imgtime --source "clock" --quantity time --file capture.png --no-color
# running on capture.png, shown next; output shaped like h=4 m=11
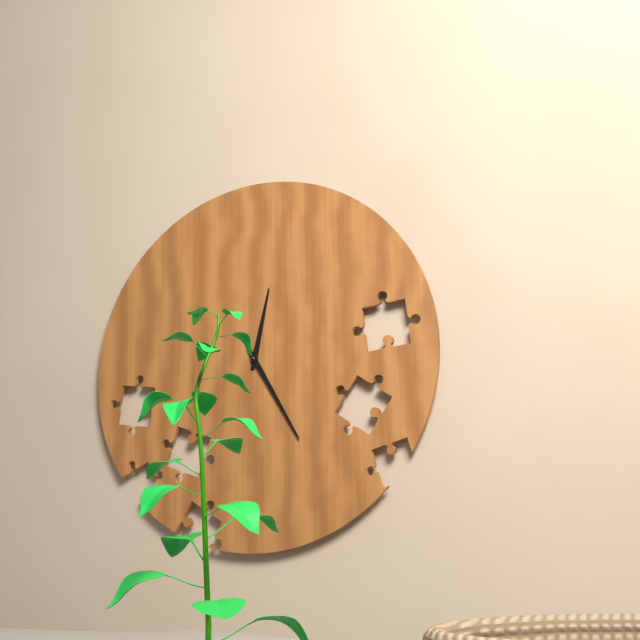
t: h=12 m=25
